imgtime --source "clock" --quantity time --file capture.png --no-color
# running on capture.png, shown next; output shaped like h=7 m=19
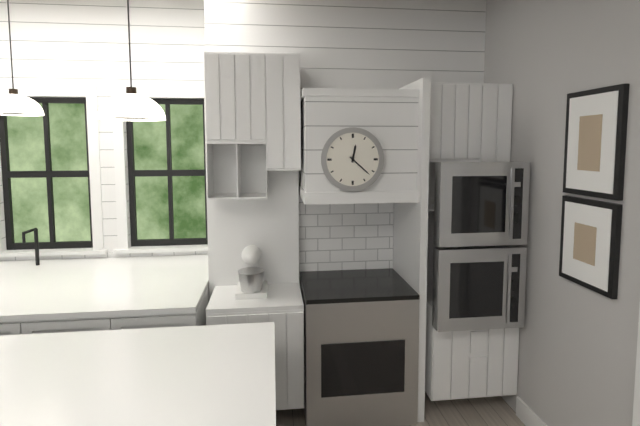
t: h=12 m=22
